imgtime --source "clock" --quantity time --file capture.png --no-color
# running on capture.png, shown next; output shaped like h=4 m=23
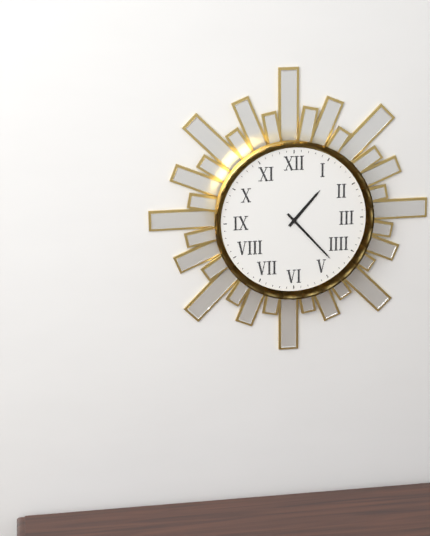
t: h=1 m=23
